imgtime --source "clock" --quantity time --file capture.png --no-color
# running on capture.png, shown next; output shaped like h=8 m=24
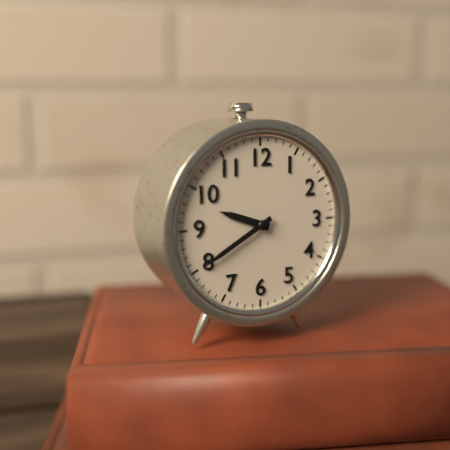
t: h=9 m=40
